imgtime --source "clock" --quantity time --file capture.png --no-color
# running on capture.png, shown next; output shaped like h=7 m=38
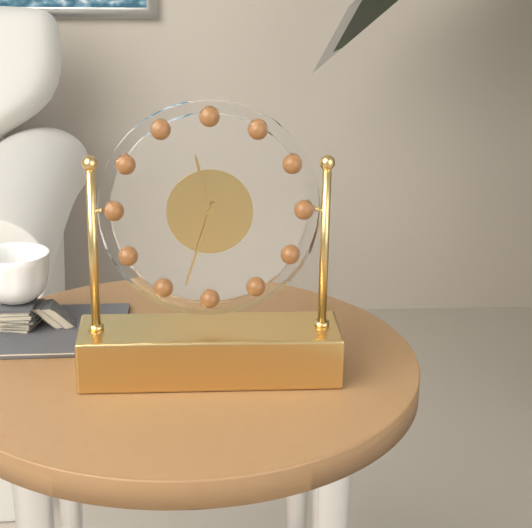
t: h=11 m=33
